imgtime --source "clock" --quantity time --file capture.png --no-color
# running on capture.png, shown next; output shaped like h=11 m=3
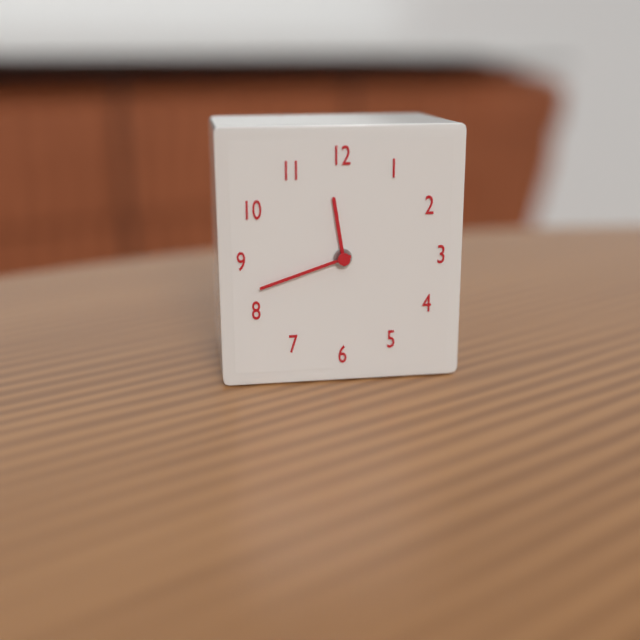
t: h=11 m=42
